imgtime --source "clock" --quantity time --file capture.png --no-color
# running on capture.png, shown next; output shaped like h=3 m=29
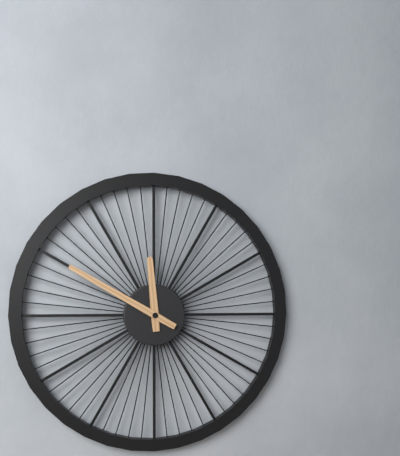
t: h=11 m=50
